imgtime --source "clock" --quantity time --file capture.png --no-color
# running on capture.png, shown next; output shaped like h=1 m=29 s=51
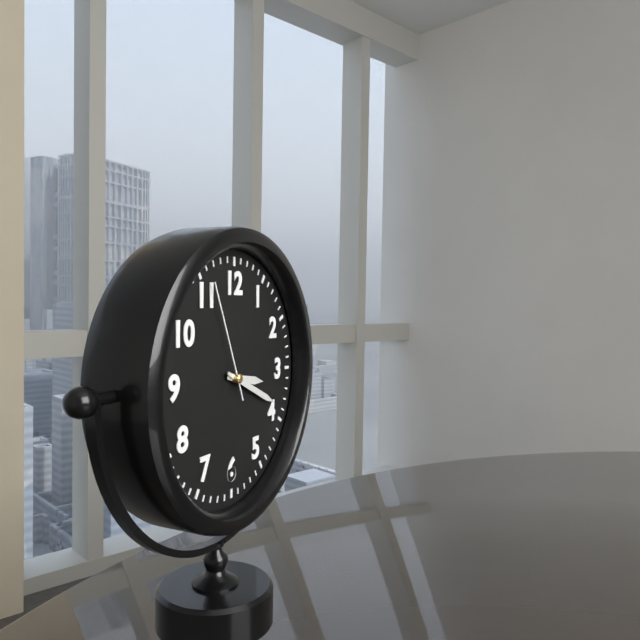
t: h=3 m=19 s=56
